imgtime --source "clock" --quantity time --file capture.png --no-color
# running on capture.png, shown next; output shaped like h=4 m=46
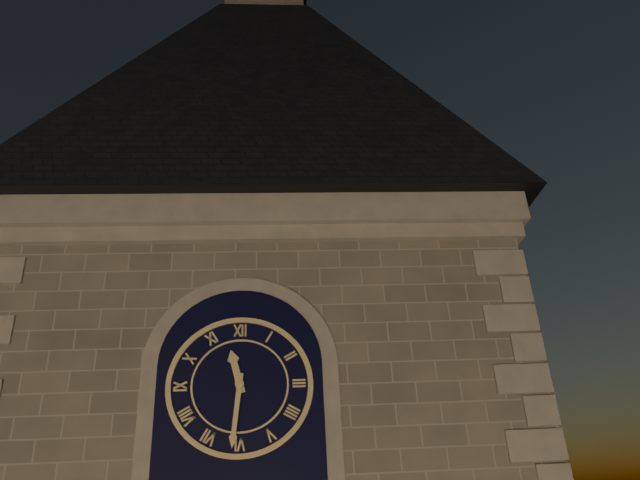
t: h=11 m=31
